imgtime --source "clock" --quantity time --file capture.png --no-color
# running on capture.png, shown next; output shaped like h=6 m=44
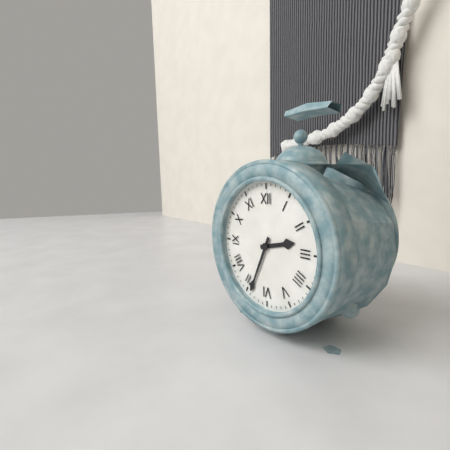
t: h=2 m=34
